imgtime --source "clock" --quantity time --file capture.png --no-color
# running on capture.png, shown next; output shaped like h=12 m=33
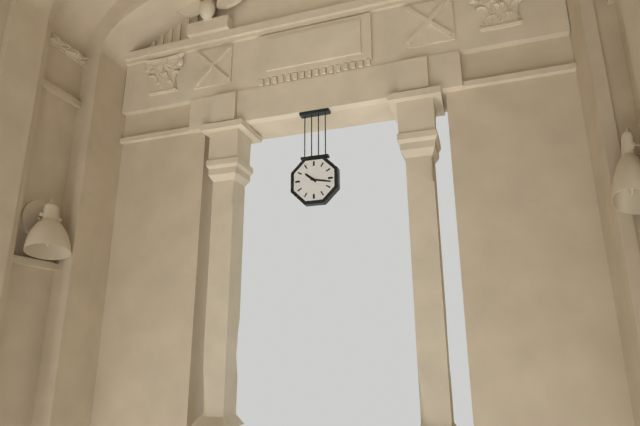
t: h=10 m=17
